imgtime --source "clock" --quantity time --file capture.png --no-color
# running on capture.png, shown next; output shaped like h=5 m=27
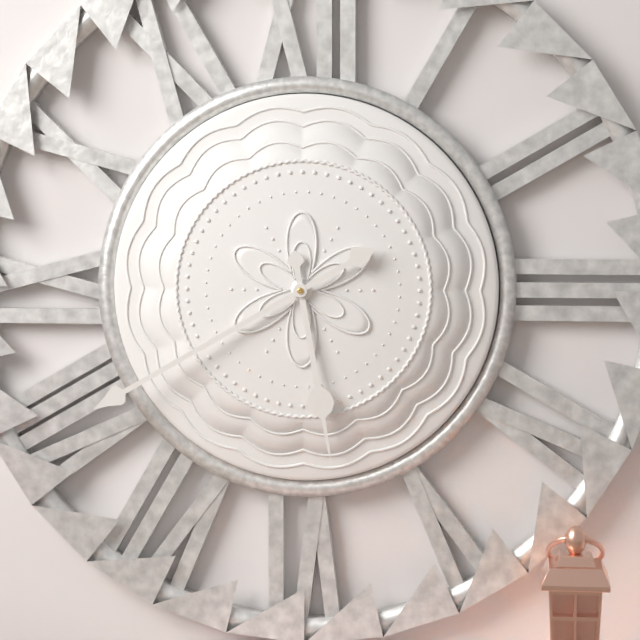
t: h=5 m=40
